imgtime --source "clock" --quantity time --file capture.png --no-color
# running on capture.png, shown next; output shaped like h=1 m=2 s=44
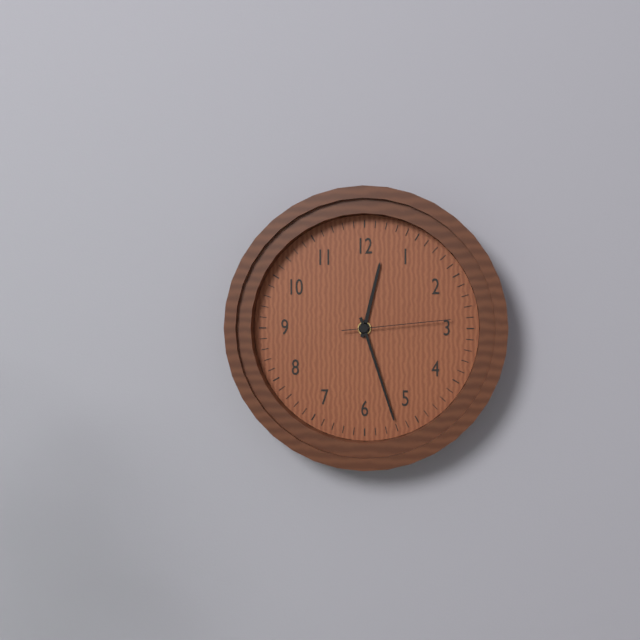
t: h=12 m=27 s=14
